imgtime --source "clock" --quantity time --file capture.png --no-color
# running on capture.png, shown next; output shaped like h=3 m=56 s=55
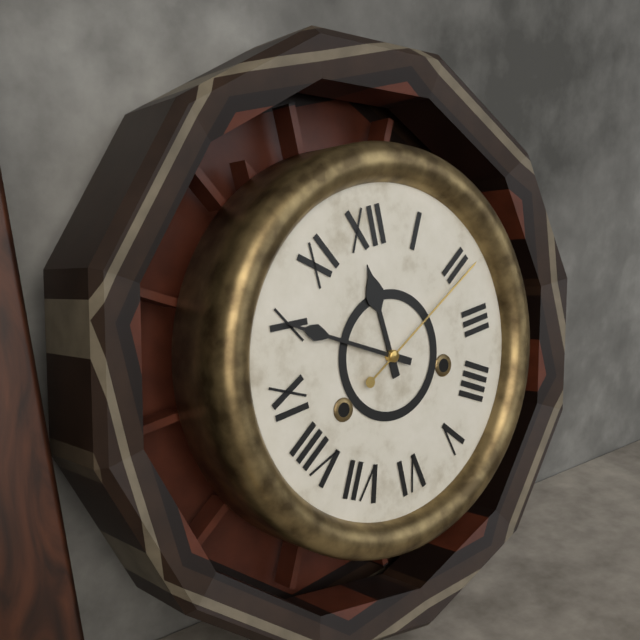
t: h=11 m=50 s=11
